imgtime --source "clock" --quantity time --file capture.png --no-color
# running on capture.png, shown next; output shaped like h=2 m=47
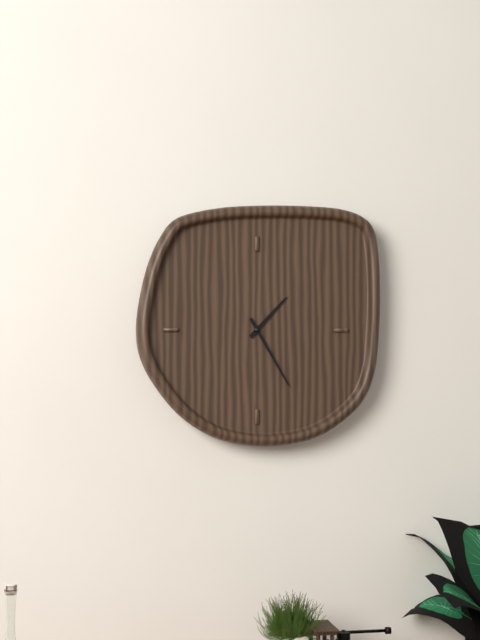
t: h=1 m=25
